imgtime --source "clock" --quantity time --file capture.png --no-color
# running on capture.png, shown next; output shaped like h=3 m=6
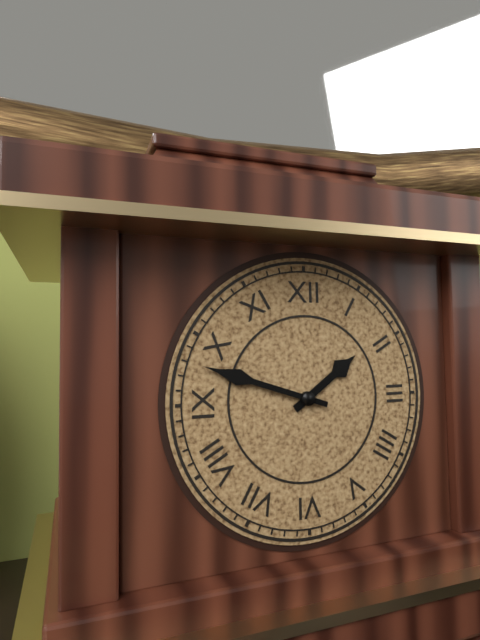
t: h=1 m=48
